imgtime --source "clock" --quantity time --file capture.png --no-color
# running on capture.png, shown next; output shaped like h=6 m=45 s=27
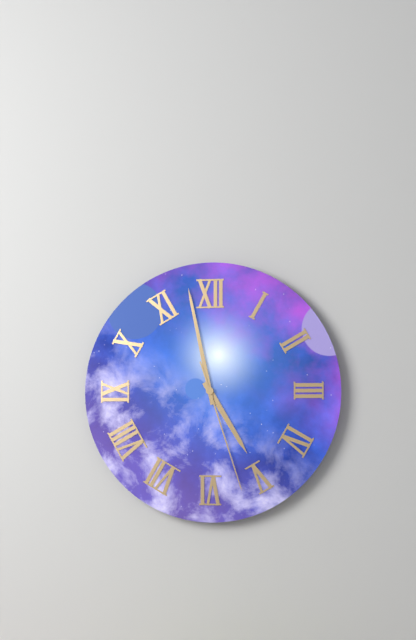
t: h=4 m=58 s=27
